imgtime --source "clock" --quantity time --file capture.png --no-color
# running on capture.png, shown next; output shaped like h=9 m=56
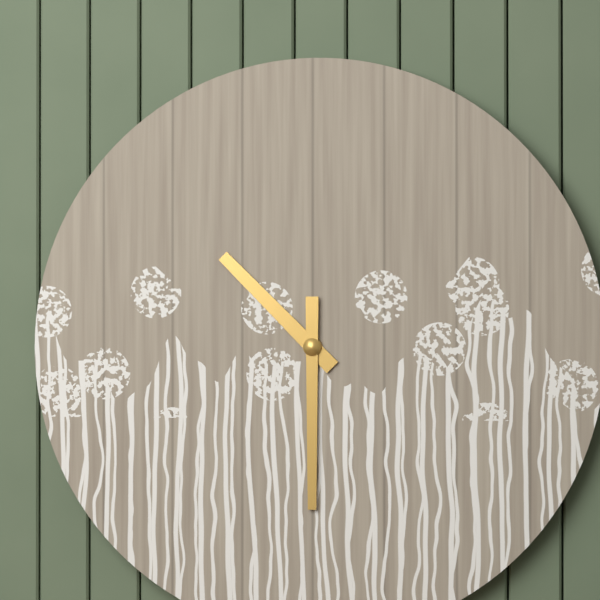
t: h=10 m=30
